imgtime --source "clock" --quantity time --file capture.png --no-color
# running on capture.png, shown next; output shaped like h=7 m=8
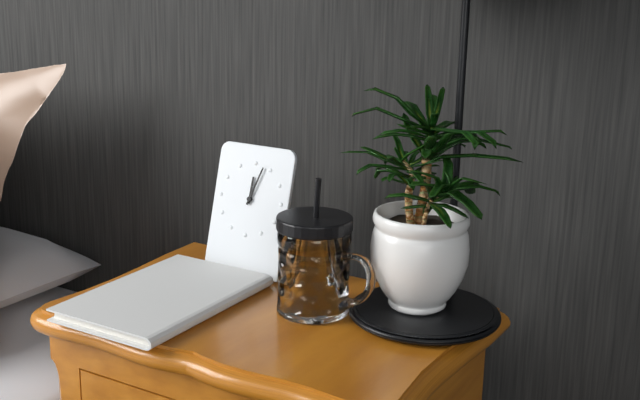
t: h=12 m=3
